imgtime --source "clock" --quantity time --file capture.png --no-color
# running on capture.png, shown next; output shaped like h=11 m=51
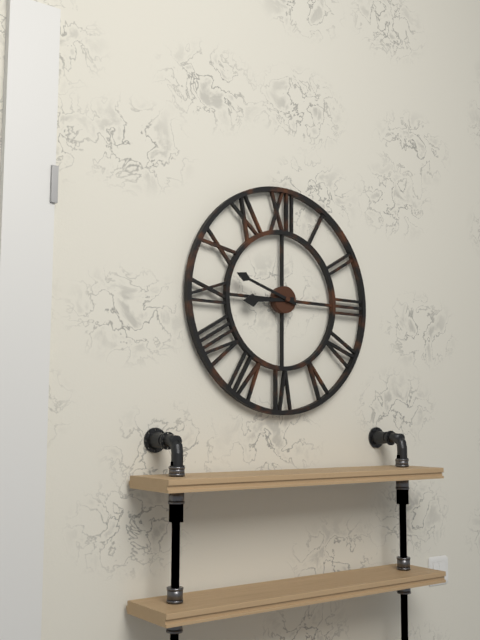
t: h=8 m=48
